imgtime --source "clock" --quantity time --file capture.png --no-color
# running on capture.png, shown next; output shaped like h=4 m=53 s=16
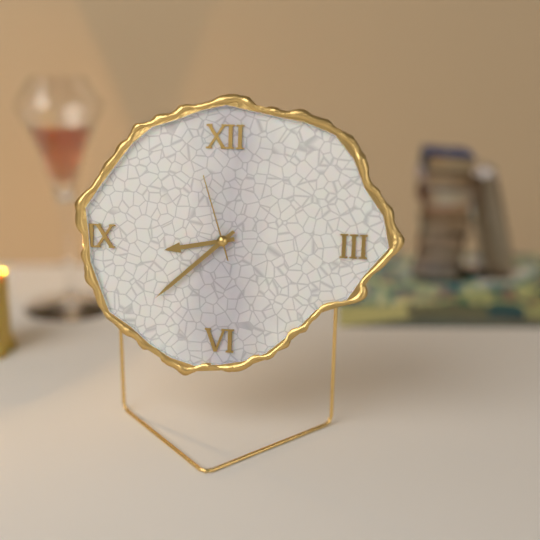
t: h=8 m=38 s=57
